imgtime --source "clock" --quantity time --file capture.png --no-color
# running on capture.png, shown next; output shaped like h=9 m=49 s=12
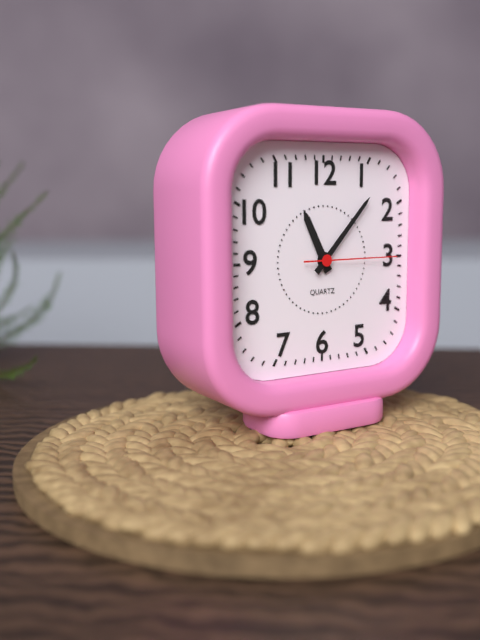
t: h=11 m=7 s=15
